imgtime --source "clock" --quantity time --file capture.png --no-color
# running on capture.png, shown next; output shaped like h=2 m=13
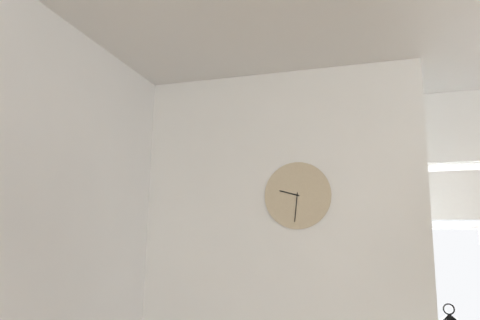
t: h=9 m=31
